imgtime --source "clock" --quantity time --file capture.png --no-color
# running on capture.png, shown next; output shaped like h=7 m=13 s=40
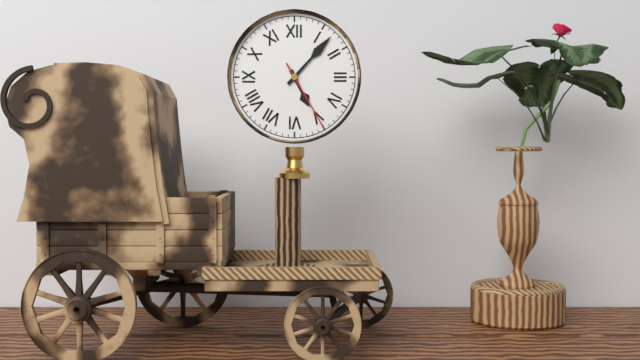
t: h=5 m=7 s=25
